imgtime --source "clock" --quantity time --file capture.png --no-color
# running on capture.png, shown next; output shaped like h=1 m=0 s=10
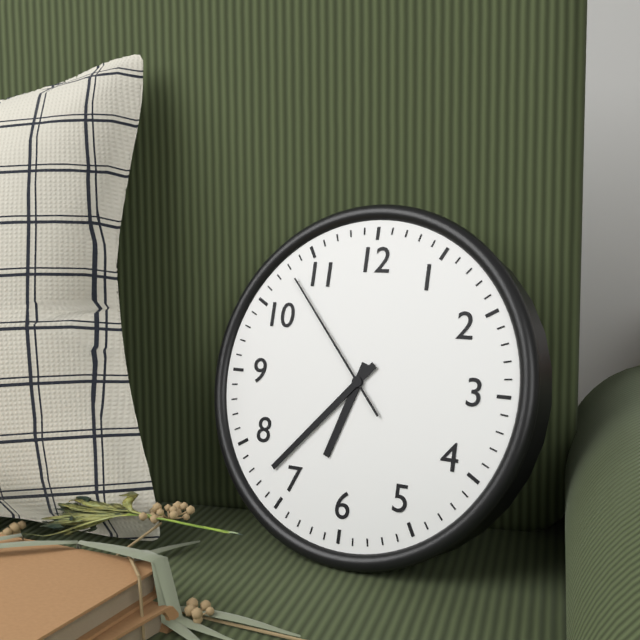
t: h=6 m=37 s=53
